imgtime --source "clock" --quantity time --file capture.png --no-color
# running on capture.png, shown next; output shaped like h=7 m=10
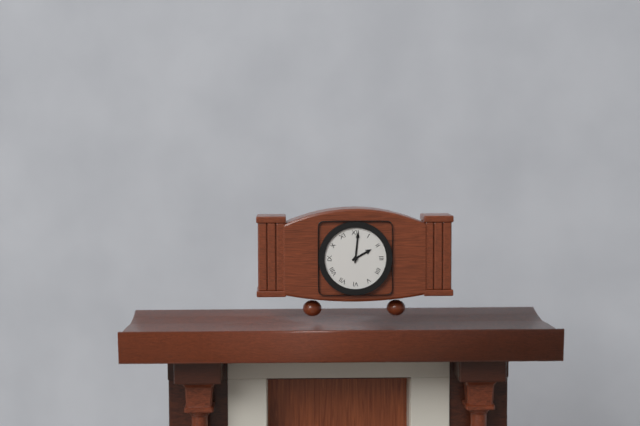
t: h=2 m=1
